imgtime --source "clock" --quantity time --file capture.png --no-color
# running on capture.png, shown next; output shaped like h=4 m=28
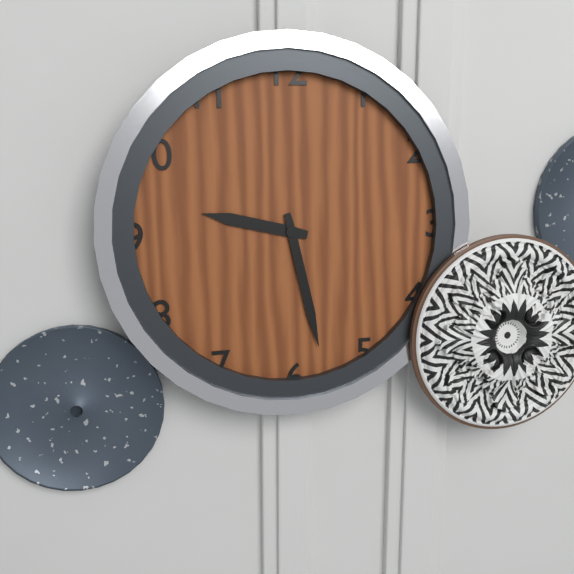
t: h=9 m=28
